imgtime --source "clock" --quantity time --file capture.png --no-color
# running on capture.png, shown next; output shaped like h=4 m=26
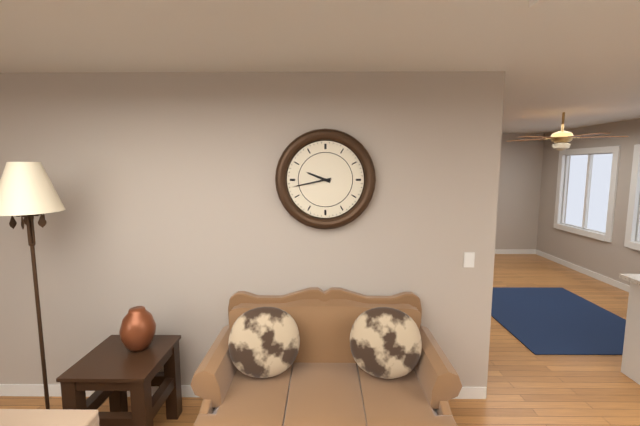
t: h=9 m=43
